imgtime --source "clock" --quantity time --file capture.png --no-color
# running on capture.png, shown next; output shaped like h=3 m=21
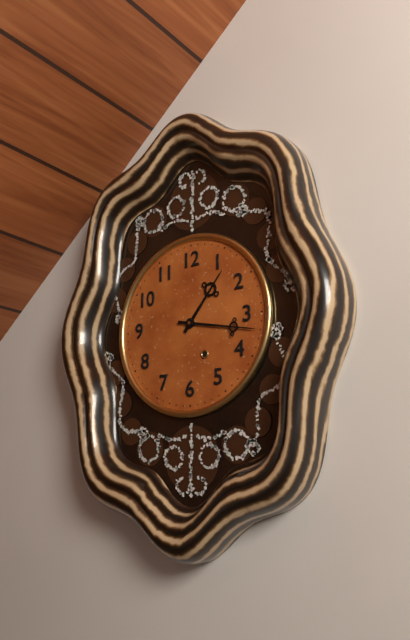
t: h=1 m=17
